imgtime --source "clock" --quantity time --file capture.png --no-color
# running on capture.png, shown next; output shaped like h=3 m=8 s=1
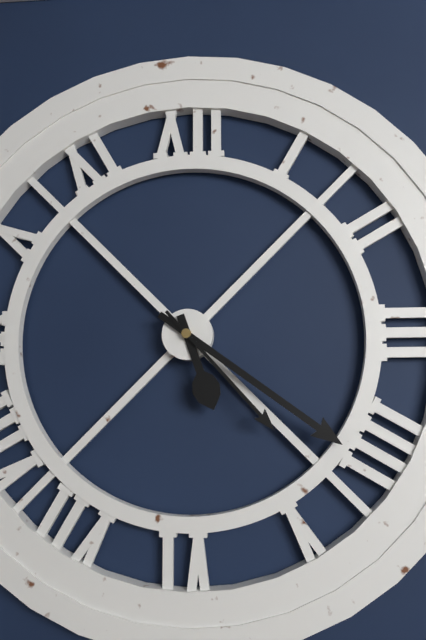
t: h=5 m=21 s=23
